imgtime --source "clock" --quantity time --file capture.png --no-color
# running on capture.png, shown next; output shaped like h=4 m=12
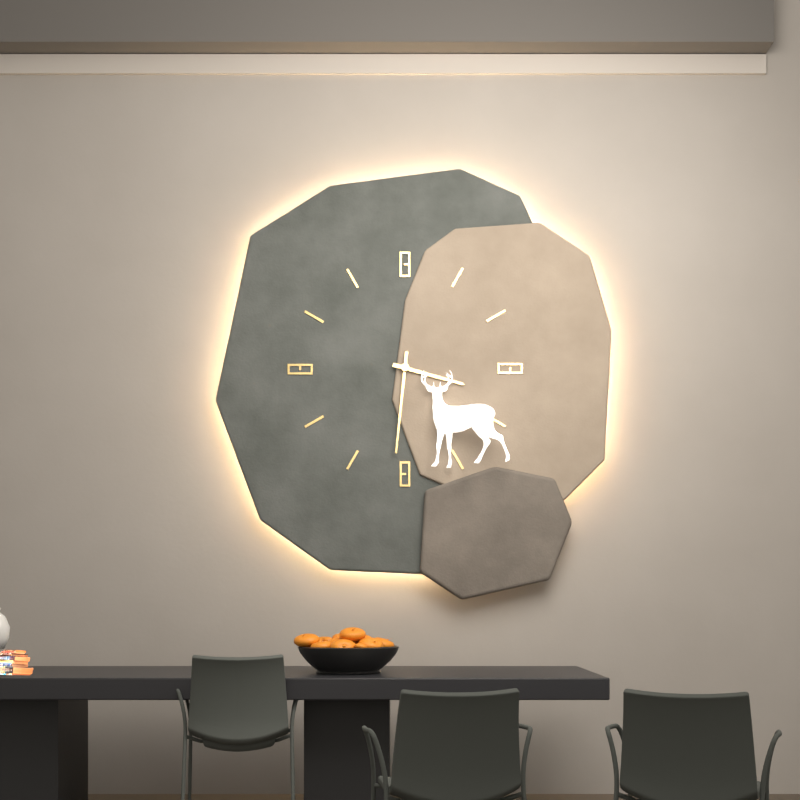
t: h=3 m=31
